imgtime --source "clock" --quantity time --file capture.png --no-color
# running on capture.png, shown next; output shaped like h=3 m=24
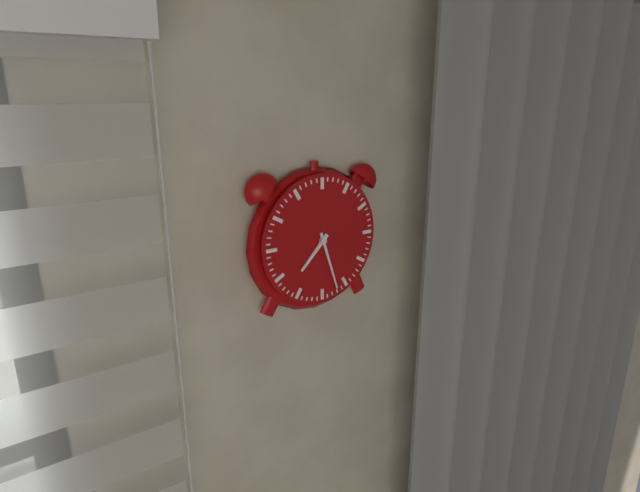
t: h=7 m=27
